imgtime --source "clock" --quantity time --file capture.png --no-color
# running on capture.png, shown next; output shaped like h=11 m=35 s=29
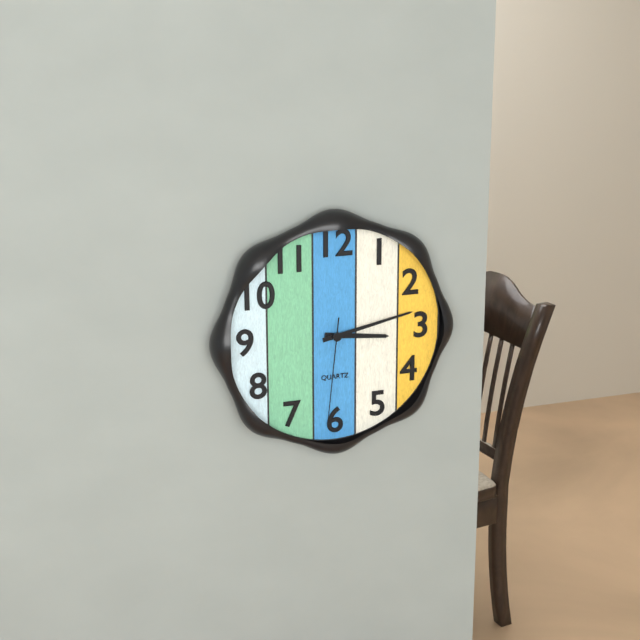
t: h=3 m=13 s=31
